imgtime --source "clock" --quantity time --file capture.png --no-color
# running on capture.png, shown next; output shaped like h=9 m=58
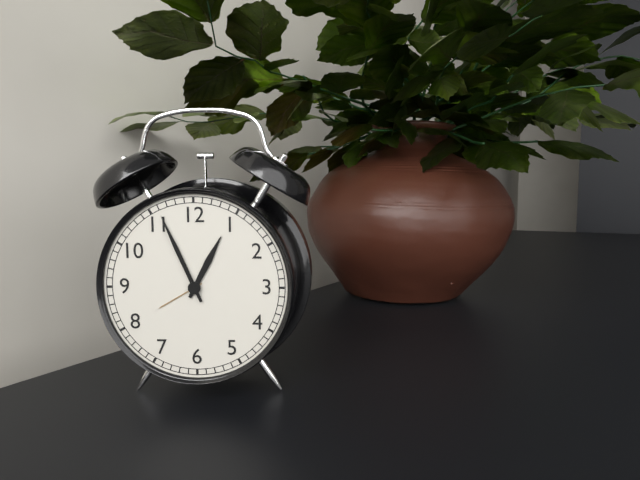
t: h=12 m=56
